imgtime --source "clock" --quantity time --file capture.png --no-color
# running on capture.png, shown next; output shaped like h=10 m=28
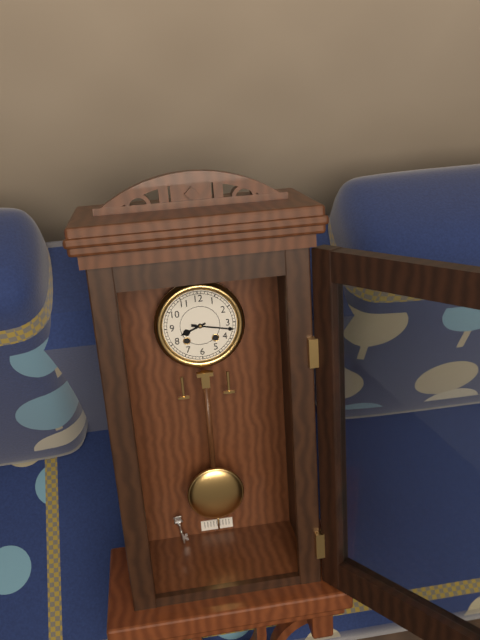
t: h=8 m=17
